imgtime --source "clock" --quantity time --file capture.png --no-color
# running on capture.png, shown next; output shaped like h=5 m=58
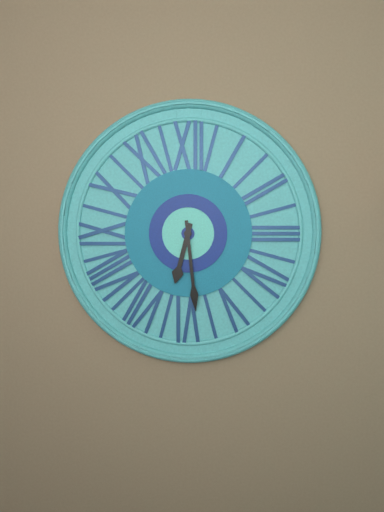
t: h=6 m=29
